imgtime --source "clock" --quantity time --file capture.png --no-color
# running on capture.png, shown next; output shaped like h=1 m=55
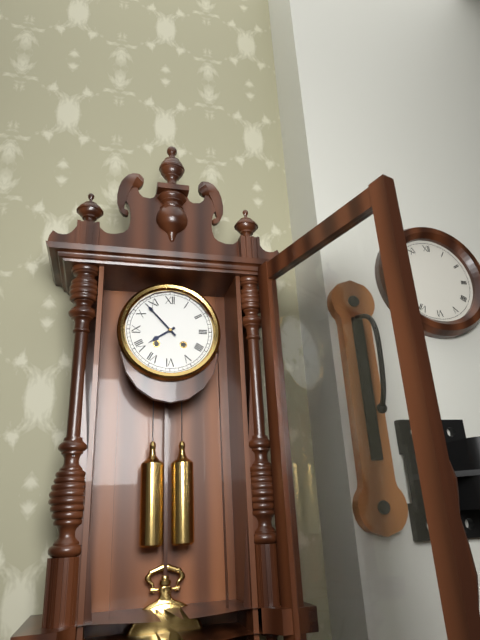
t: h=7 m=53
